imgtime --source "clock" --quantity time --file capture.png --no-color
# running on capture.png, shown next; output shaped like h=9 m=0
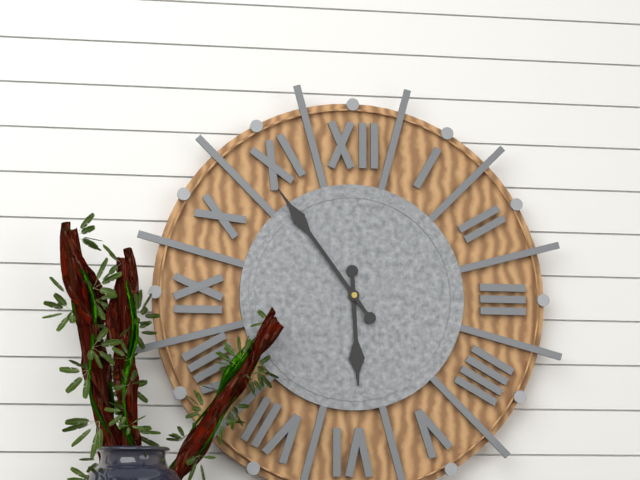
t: h=5 m=54
